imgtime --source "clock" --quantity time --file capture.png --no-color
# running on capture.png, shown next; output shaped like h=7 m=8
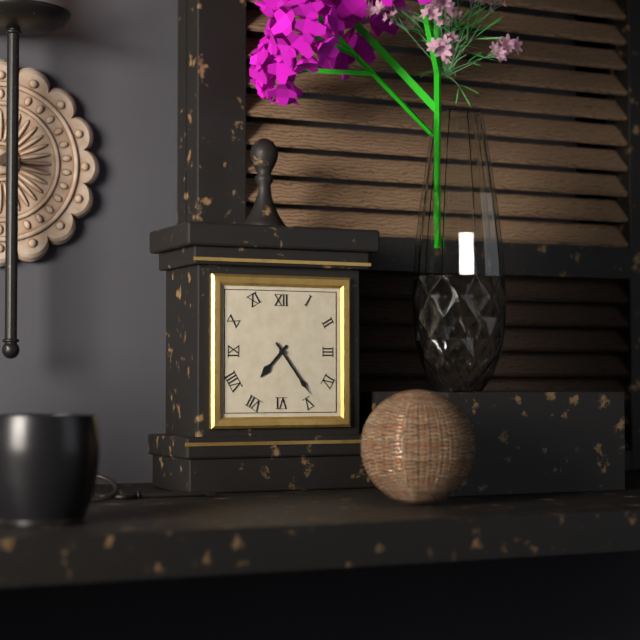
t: h=7 m=24
